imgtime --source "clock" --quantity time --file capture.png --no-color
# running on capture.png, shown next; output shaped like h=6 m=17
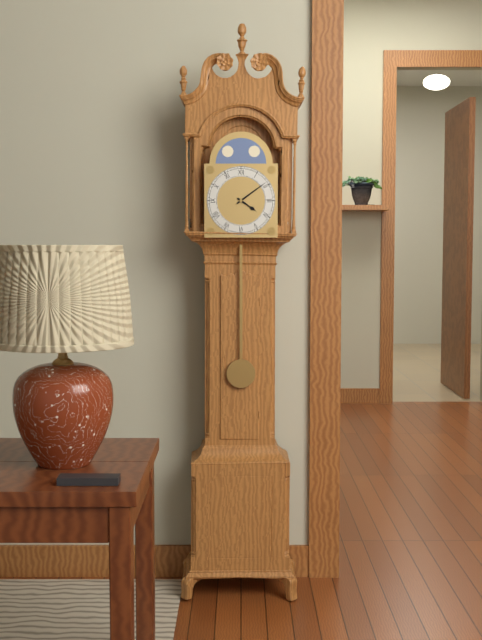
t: h=4 m=9
